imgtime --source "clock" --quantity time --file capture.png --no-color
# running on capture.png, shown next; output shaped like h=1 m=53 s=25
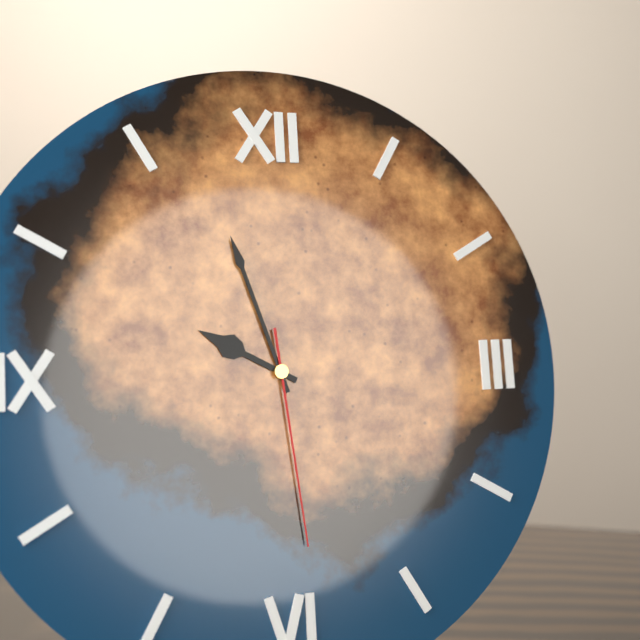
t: h=9 m=57 s=29
